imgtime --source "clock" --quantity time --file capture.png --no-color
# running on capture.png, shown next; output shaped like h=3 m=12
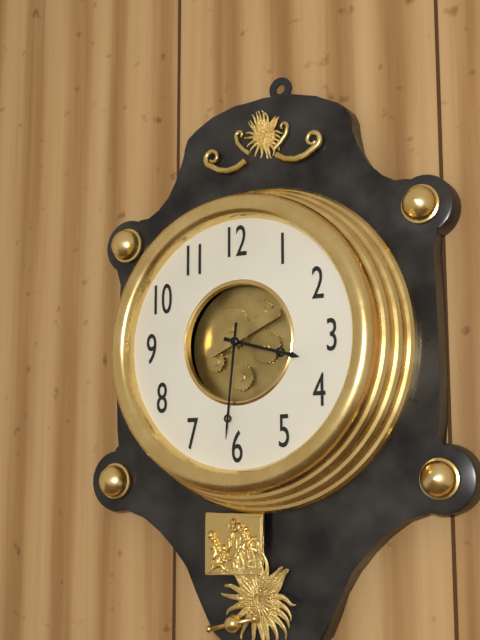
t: h=3 m=31
